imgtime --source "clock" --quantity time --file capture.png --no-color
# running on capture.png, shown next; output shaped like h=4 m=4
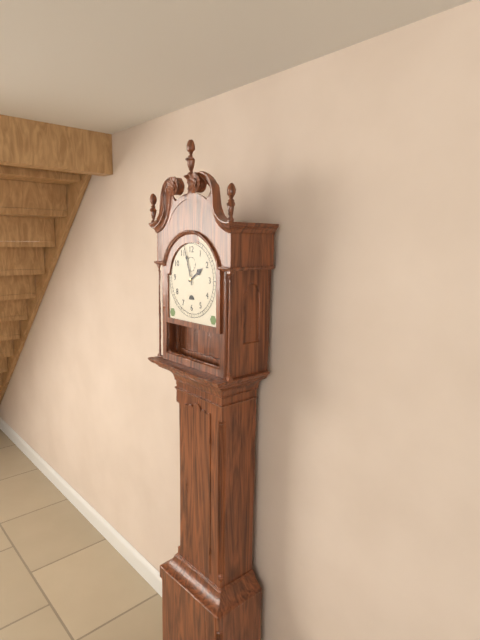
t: h=1 m=57
